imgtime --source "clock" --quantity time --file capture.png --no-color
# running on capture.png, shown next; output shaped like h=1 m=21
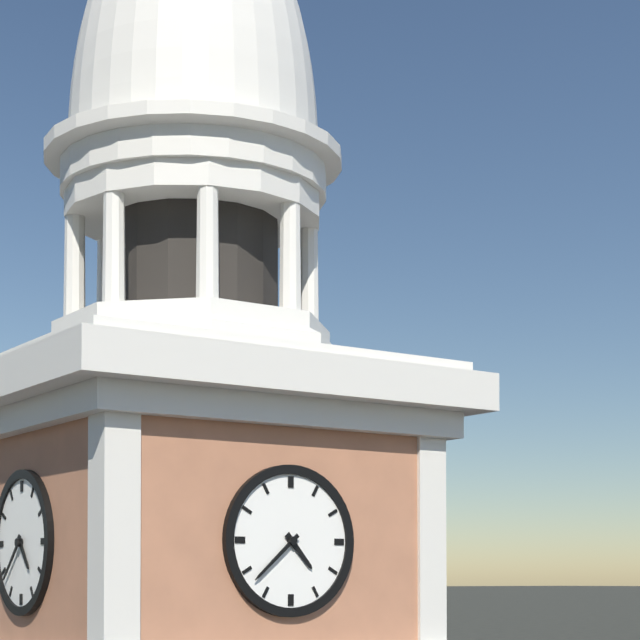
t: h=4 m=38
